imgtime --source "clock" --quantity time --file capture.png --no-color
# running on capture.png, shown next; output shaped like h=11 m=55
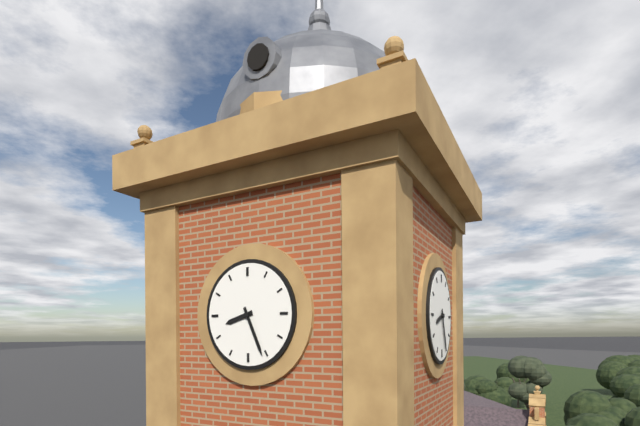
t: h=8 m=26
